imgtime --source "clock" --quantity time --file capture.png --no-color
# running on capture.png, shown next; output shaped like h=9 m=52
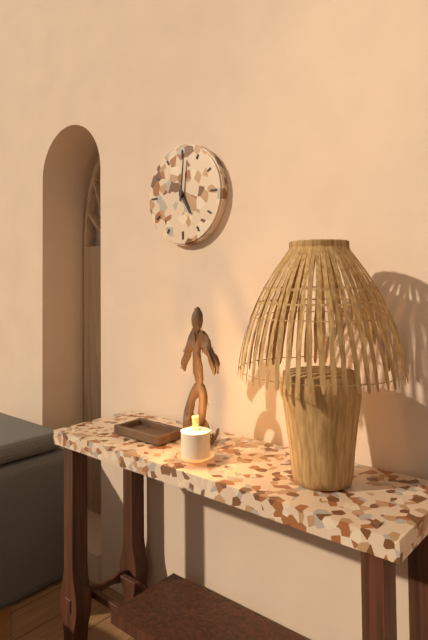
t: h=5 m=1
